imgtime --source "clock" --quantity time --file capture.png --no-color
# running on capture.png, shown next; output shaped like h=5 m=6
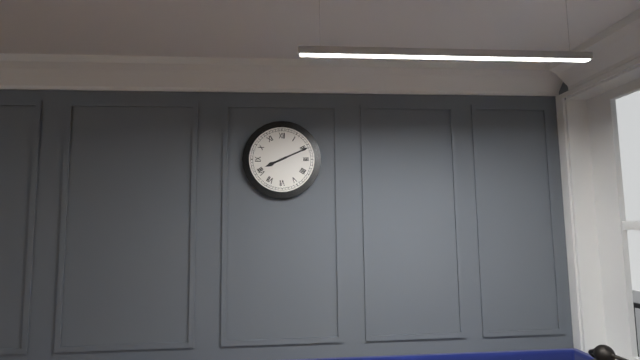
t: h=8 m=11
